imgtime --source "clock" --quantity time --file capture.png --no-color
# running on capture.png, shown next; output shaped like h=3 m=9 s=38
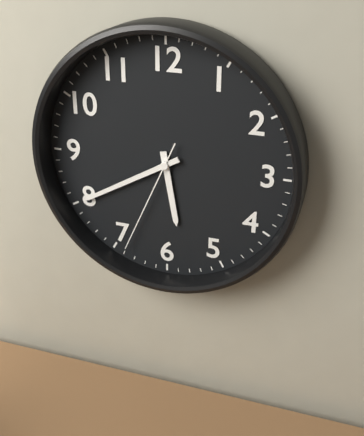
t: h=5 m=40 s=34
